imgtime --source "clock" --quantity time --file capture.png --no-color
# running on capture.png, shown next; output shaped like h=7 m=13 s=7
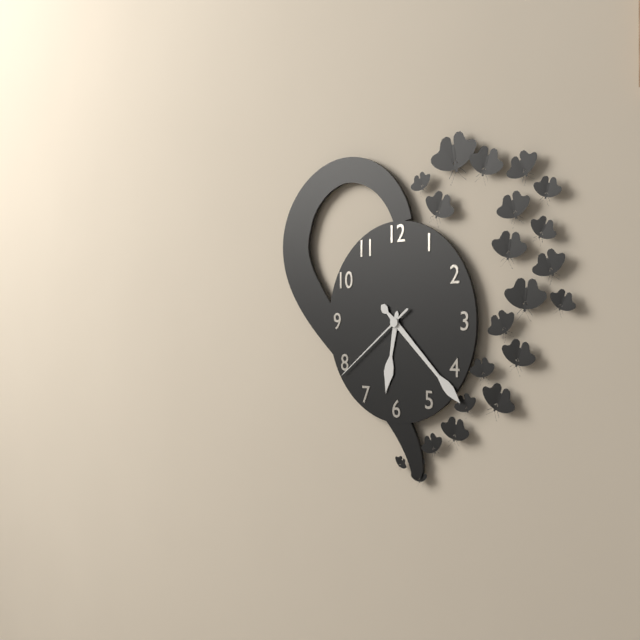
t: h=6 m=22 s=39
